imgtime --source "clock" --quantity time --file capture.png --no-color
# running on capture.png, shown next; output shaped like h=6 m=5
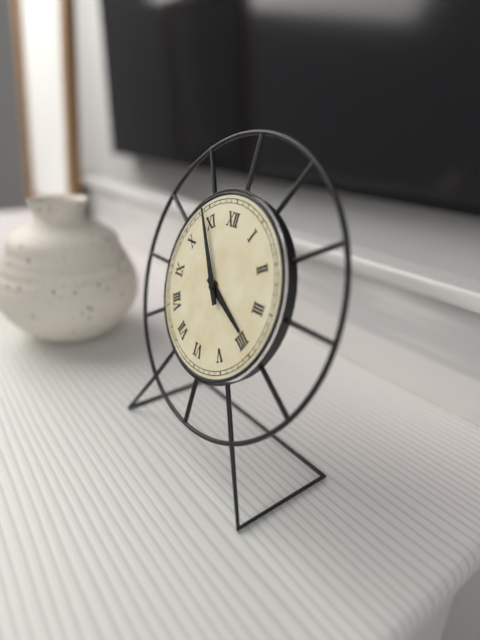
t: h=3 m=54
